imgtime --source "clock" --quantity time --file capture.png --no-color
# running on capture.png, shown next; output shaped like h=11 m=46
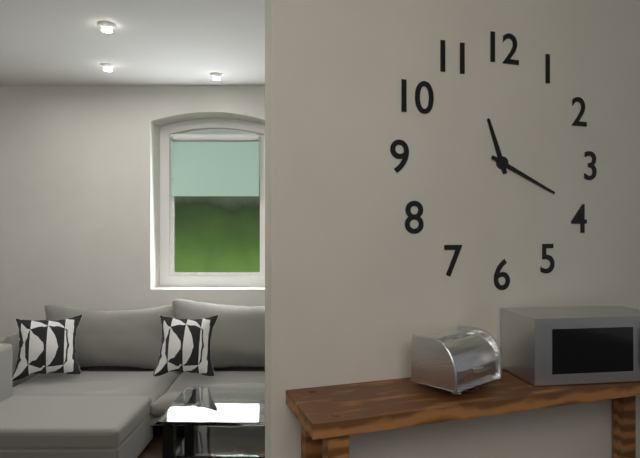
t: h=11 m=19
